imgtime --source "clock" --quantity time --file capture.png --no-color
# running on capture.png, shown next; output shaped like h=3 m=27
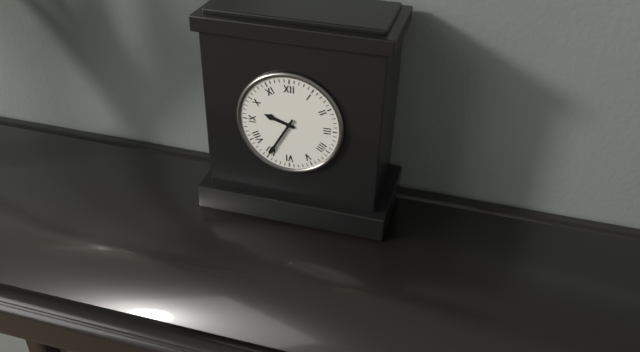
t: h=9 m=35
